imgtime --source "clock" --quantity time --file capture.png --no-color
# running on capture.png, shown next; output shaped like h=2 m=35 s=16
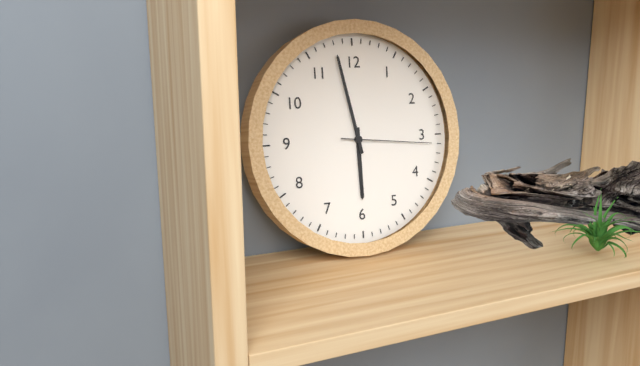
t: h=5 m=58 s=16
